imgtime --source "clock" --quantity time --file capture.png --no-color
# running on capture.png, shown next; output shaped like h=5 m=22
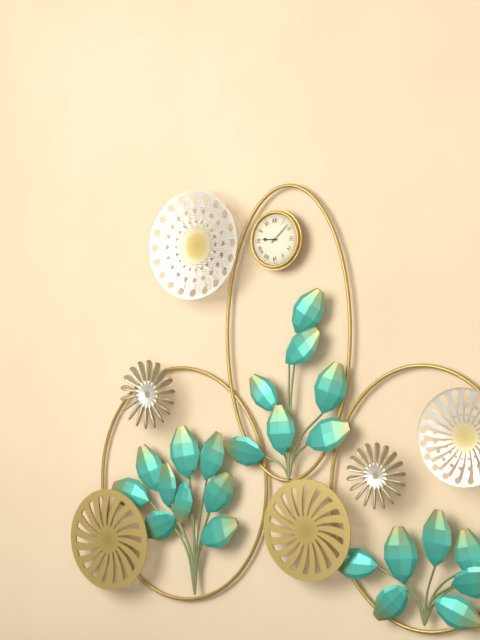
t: h=9 m=8
